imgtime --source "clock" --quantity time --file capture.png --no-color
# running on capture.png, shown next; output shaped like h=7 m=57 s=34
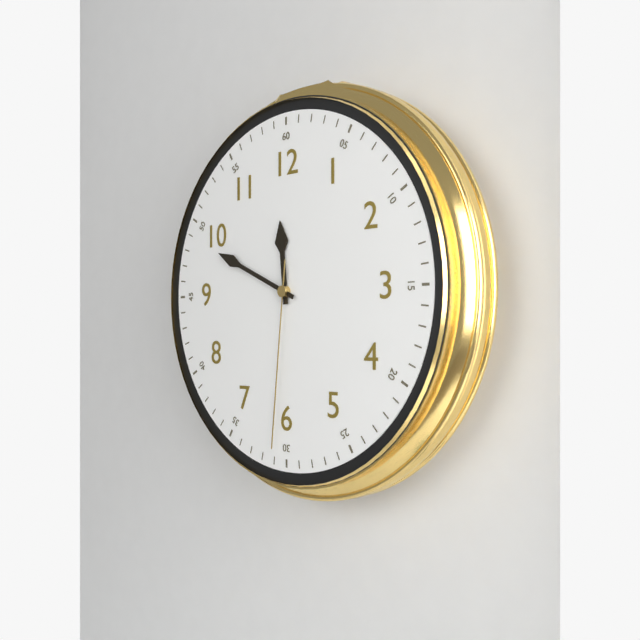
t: h=11 m=49 s=31
